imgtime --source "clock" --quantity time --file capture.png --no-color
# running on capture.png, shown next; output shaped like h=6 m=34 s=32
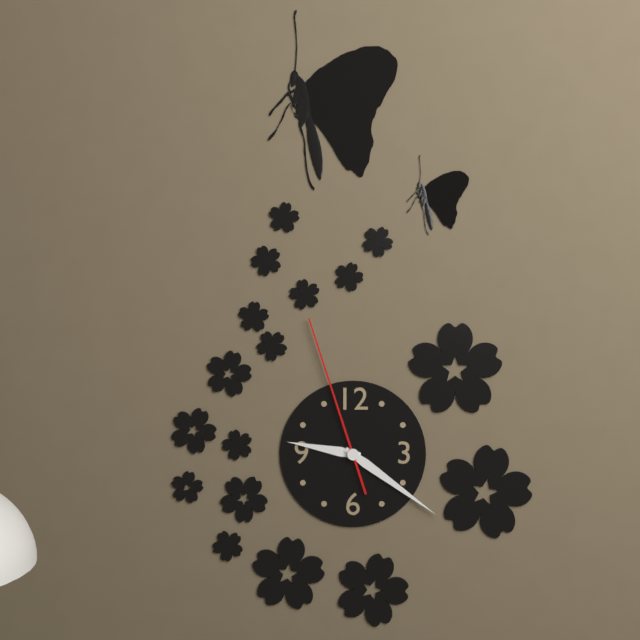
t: h=9 m=21 s=57
